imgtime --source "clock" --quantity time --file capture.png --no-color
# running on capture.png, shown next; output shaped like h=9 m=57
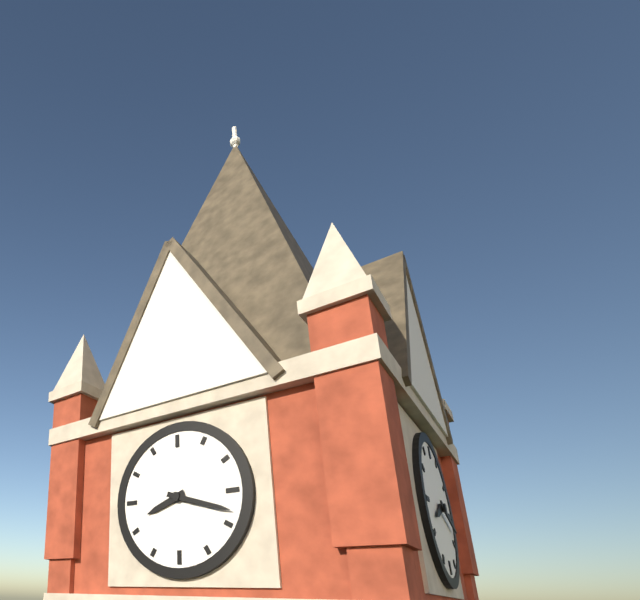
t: h=8 m=18
